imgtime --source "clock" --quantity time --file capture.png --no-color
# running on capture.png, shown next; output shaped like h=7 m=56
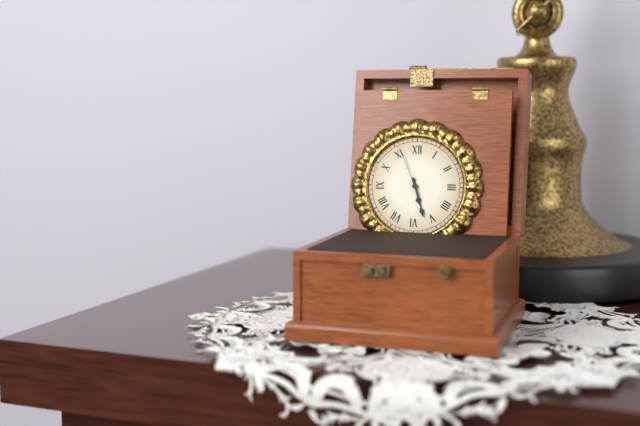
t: h=5 m=27
